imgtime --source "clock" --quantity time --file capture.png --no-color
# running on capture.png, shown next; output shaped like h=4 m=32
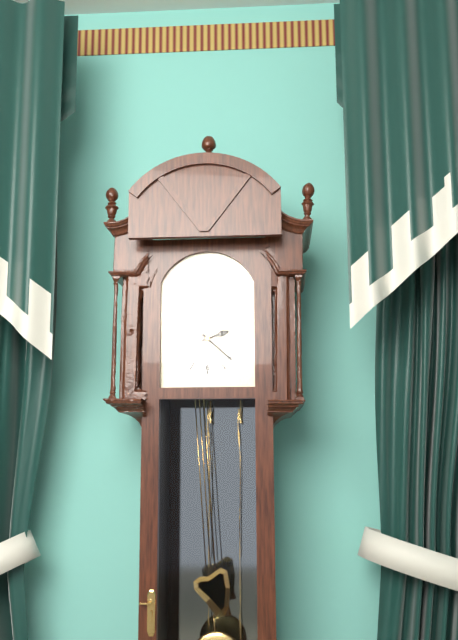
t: h=2 m=22
